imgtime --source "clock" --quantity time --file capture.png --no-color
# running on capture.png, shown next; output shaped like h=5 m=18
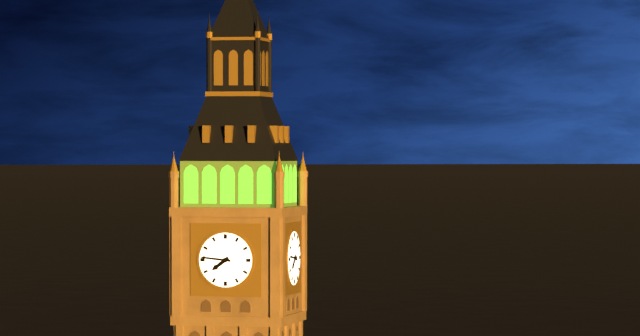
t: h=7 m=46
